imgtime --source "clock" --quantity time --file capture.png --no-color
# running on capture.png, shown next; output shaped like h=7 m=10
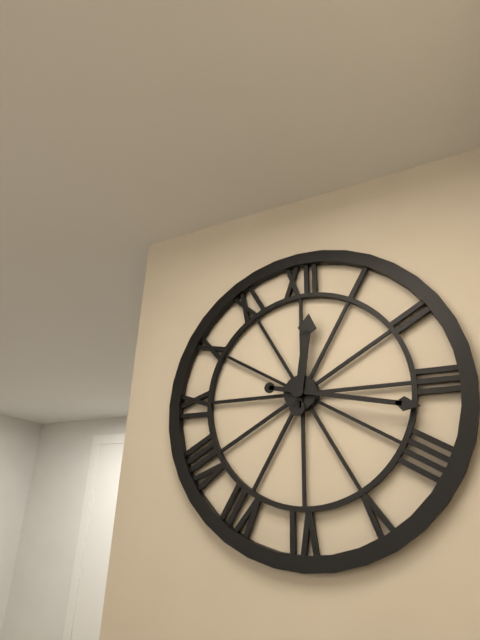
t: h=12 m=17
